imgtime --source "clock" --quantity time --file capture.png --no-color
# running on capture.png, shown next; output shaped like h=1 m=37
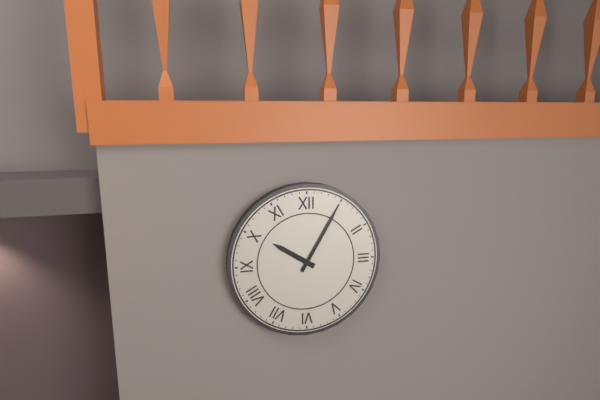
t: h=10 m=5
